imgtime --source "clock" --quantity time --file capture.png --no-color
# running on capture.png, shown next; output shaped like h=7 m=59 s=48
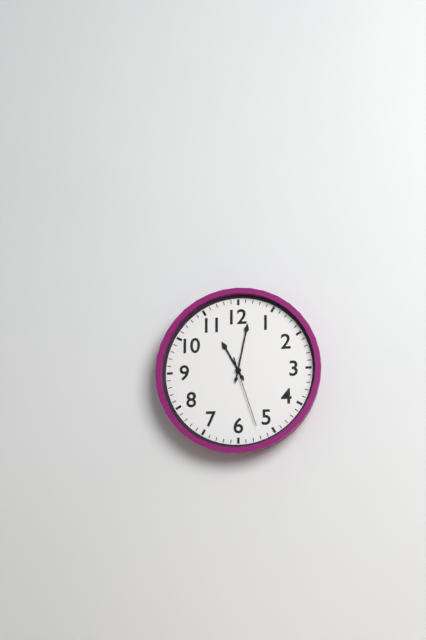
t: h=11 m=2 s=27
